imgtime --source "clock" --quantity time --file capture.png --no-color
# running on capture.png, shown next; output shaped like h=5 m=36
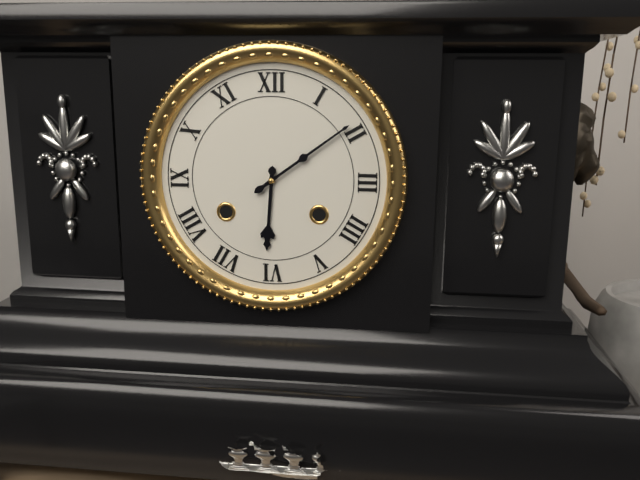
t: h=6 m=9
